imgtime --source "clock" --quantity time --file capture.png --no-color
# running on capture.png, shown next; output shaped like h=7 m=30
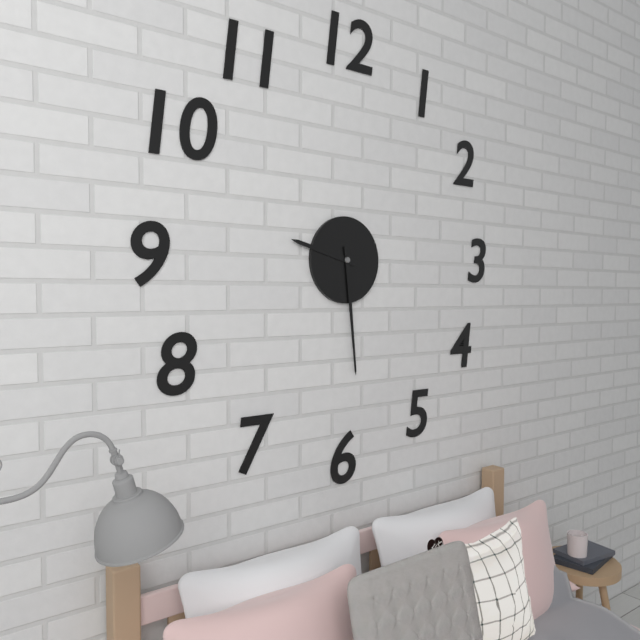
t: h=9 m=29
